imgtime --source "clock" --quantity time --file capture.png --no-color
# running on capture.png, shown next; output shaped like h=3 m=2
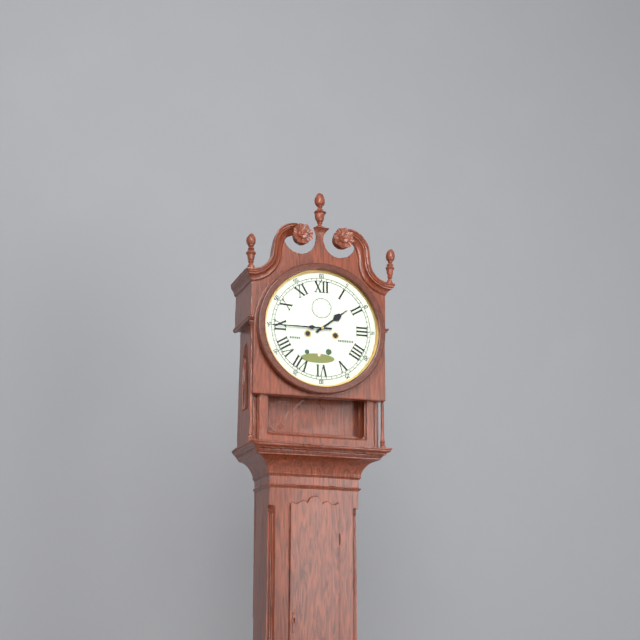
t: h=1 m=45
